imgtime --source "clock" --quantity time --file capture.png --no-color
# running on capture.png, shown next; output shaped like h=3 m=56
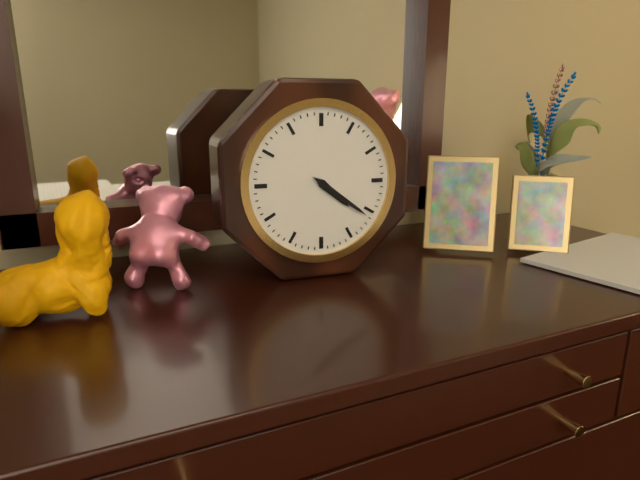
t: h=4 m=21
